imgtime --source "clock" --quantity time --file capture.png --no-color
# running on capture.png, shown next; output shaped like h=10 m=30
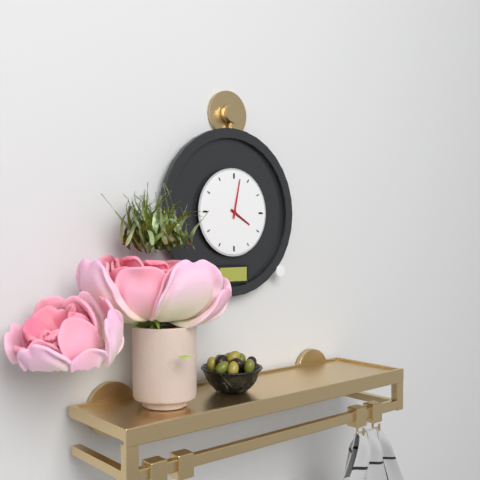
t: h=4 m=2
